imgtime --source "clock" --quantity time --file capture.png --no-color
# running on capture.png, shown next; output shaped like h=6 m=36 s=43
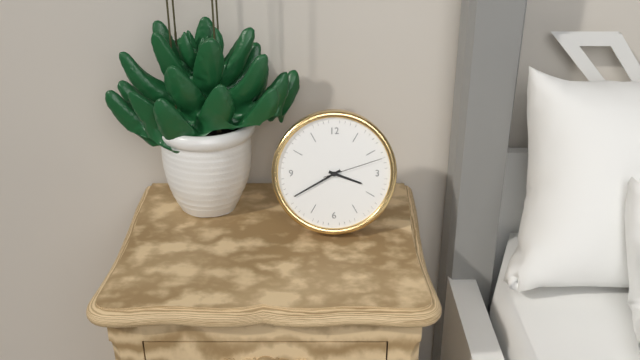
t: h=3 m=40 s=12
